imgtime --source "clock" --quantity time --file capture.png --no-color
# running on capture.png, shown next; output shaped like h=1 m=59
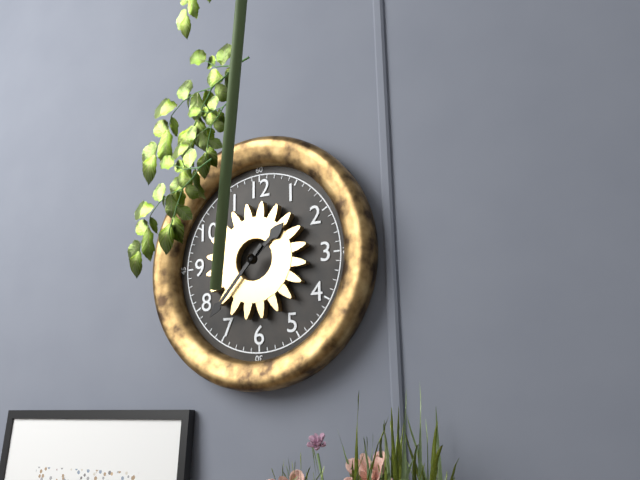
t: h=1 m=37
